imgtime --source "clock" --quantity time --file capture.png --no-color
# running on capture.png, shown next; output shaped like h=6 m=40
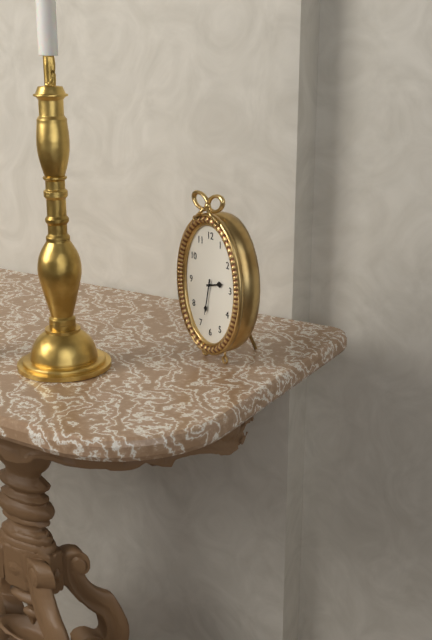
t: h=2 m=32
